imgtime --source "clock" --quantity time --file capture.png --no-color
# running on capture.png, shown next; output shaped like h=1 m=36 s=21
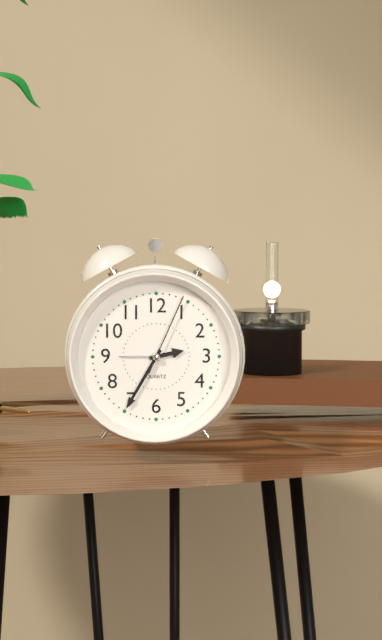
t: h=2 m=35 s=4
